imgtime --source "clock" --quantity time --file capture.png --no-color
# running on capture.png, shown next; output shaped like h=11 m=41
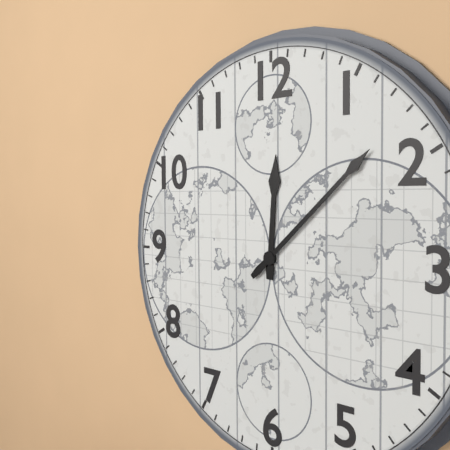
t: h=12 m=8
